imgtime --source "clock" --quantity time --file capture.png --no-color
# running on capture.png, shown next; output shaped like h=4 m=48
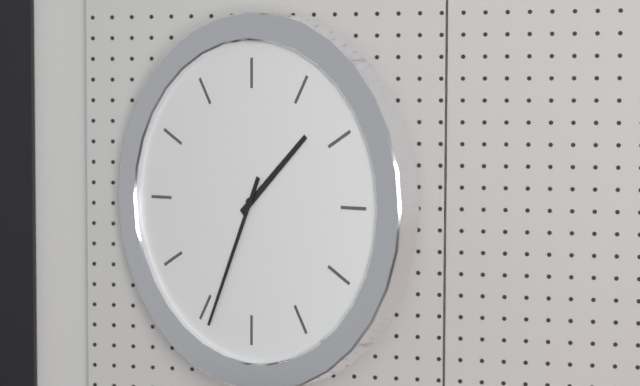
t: h=1 m=34
